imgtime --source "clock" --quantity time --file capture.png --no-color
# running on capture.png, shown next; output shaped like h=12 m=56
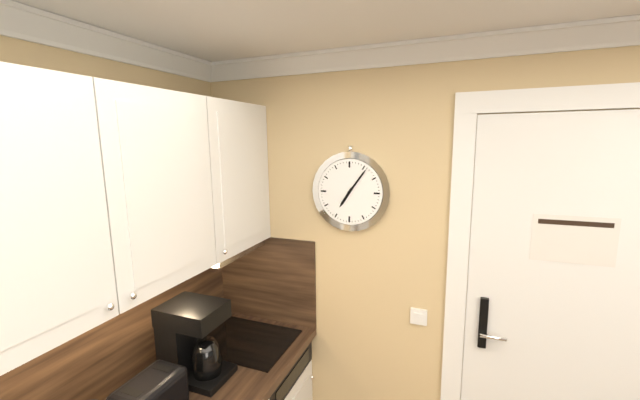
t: h=7 m=6
